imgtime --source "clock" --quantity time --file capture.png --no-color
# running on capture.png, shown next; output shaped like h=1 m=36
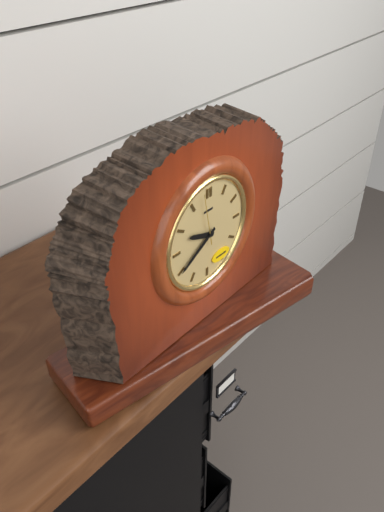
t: h=9 m=40
